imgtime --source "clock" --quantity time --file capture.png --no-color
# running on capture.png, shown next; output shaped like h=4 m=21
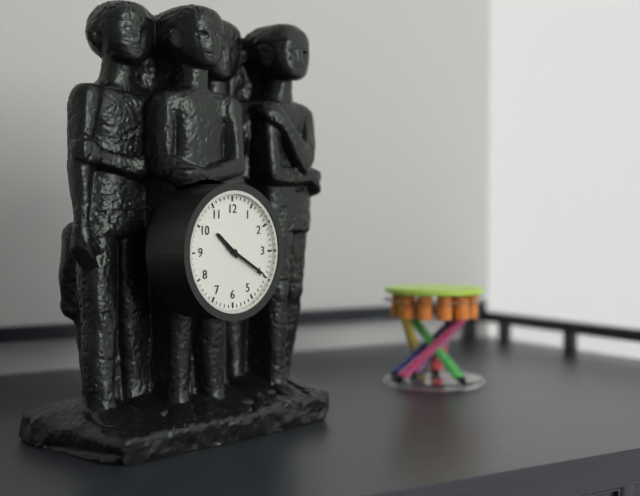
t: h=10 m=20
